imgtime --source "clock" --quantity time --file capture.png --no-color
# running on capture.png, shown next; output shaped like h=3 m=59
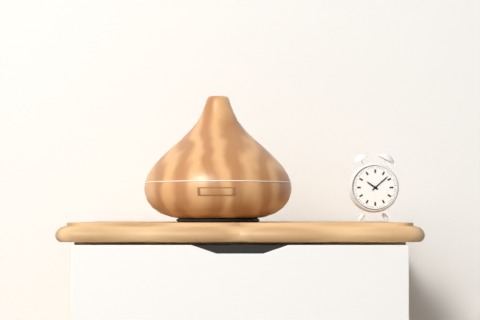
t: h=10 m=8
